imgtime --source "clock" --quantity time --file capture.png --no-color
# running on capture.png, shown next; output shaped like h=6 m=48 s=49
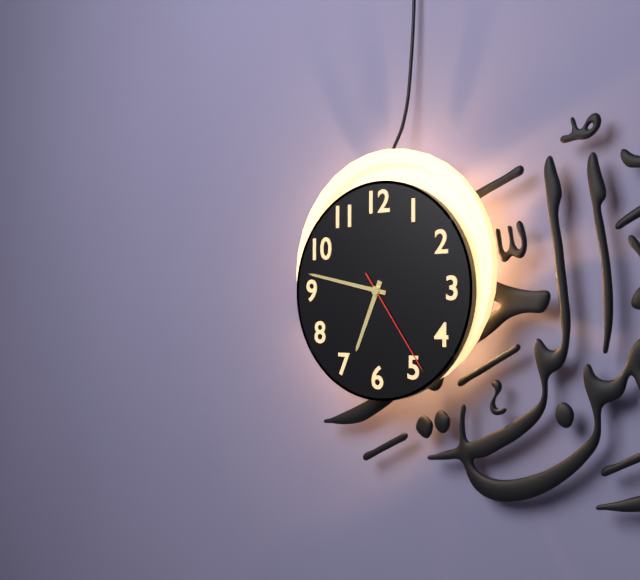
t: h=6 m=47 s=24
